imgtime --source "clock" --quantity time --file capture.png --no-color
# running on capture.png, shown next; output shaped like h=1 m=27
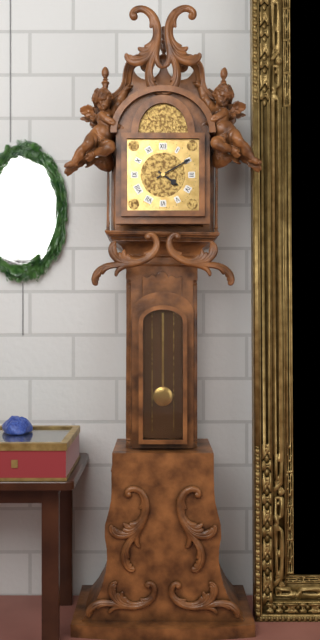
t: h=4 m=10
